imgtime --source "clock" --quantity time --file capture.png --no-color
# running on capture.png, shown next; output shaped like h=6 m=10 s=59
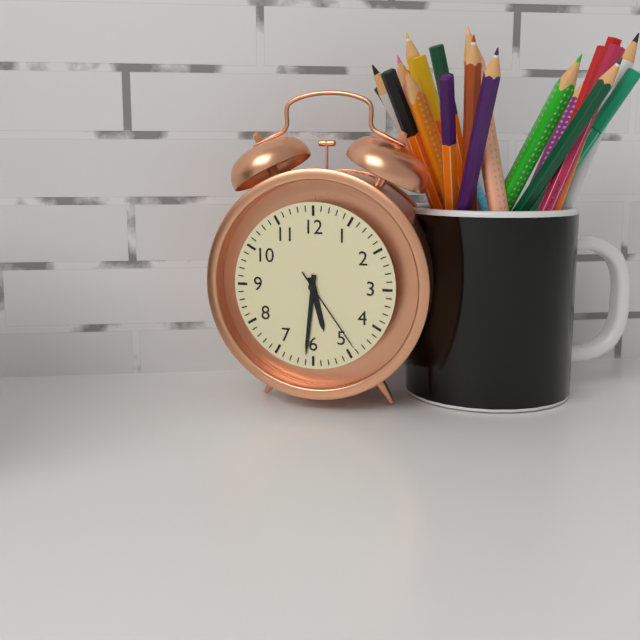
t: h=5 m=31 s=24
